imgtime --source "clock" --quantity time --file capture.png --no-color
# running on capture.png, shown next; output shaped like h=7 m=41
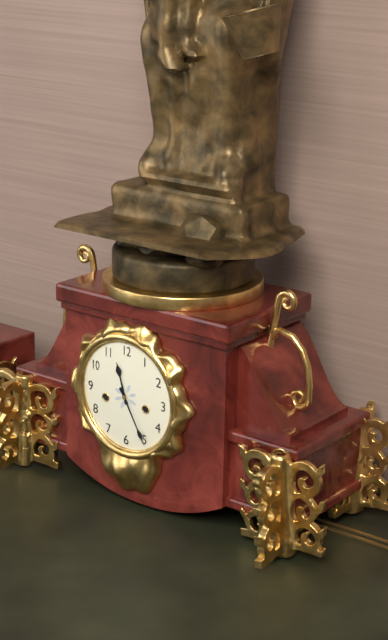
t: h=11 m=25
